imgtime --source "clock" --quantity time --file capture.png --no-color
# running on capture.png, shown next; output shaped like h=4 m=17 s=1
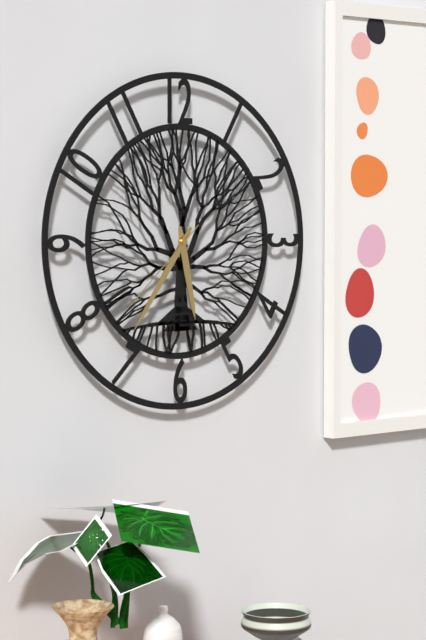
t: h=5 m=36 s=38
